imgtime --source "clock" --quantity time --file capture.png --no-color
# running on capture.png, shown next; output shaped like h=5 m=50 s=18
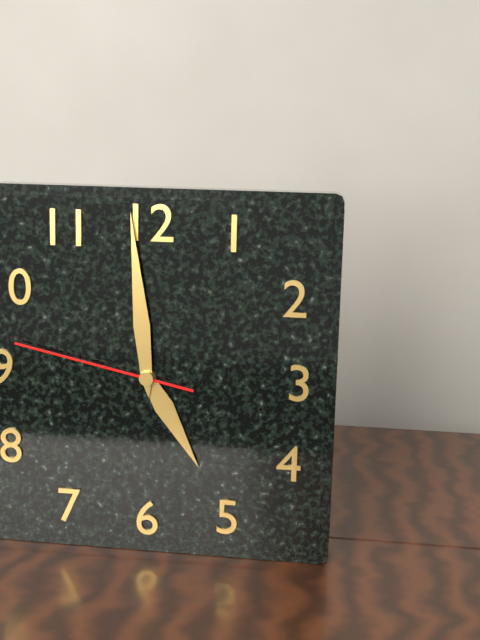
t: h=4 m=59 s=47
